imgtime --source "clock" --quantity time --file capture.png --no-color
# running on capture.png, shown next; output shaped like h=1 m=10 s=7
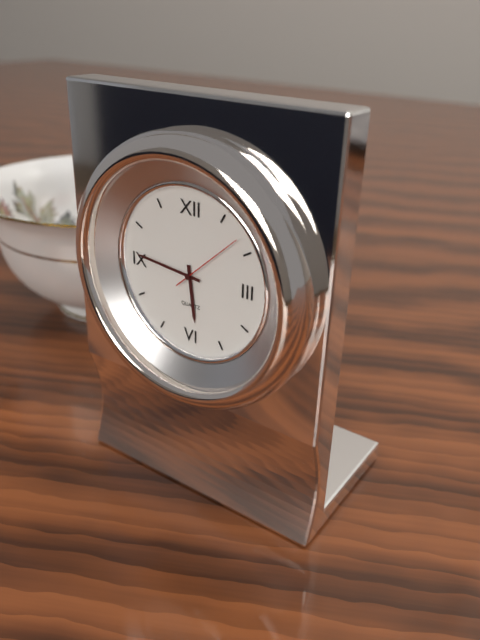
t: h=5 m=46 s=8
